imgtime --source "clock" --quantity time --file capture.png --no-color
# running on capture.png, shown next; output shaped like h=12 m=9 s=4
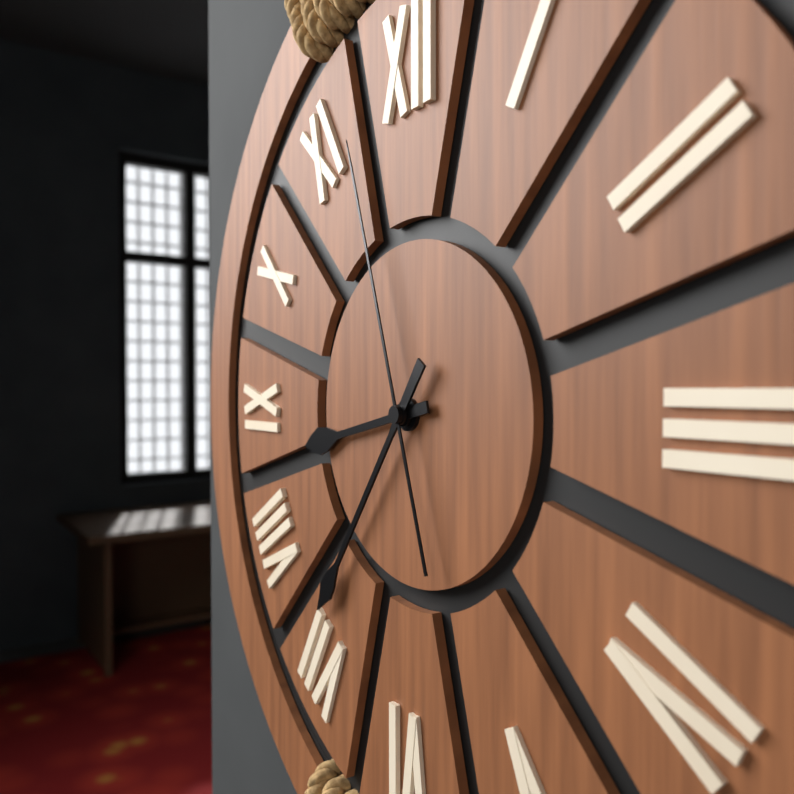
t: h=8 m=36 s=57
